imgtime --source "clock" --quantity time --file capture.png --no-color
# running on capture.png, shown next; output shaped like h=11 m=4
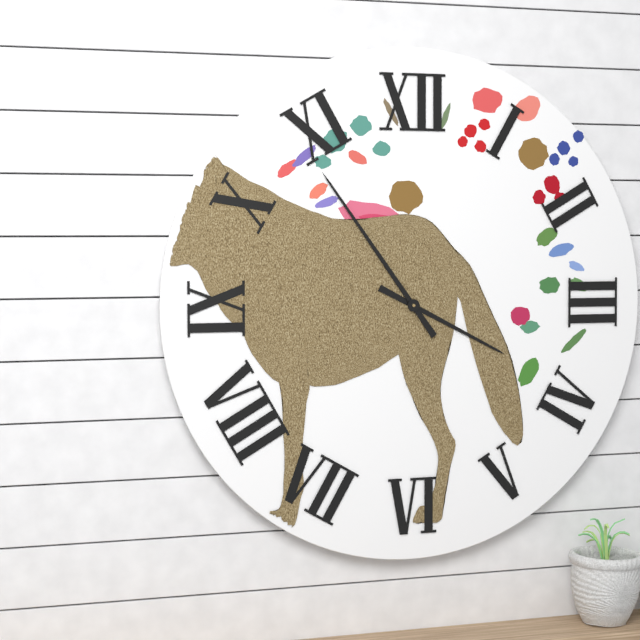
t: h=3 m=54
